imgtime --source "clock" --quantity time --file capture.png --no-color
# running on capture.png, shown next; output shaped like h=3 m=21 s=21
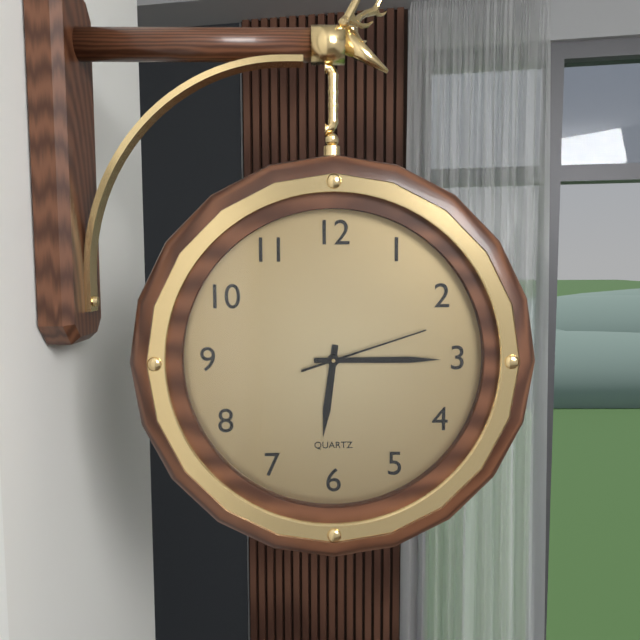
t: h=6 m=15 s=12
